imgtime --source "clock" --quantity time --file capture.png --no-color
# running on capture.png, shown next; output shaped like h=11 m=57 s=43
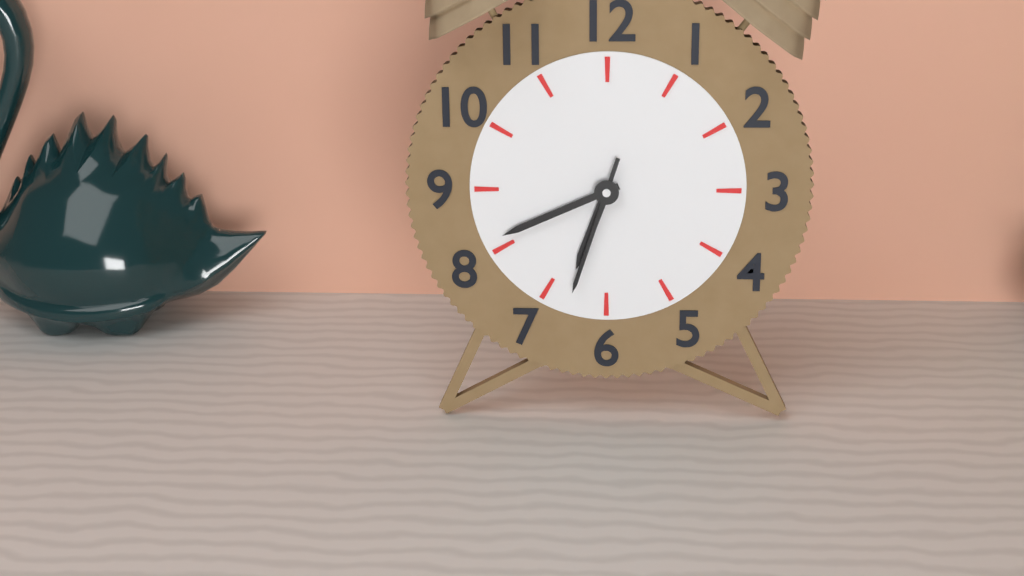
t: h=6 m=41 s=33
